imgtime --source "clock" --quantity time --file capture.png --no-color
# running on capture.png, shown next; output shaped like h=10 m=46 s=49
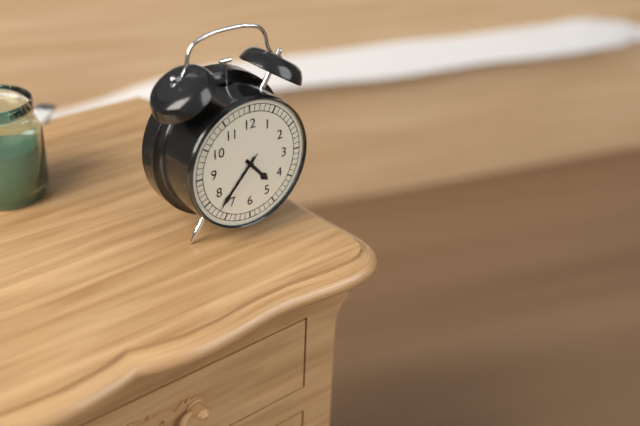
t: h=4 m=37 s=37
